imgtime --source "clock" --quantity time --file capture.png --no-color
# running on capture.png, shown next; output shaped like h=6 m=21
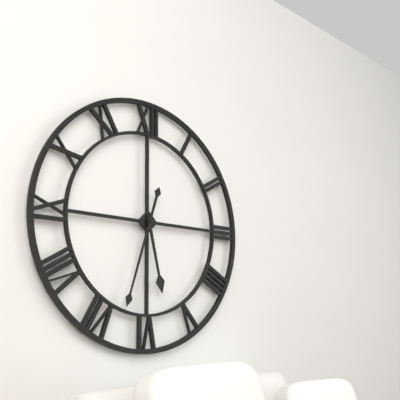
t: h=5 m=33
